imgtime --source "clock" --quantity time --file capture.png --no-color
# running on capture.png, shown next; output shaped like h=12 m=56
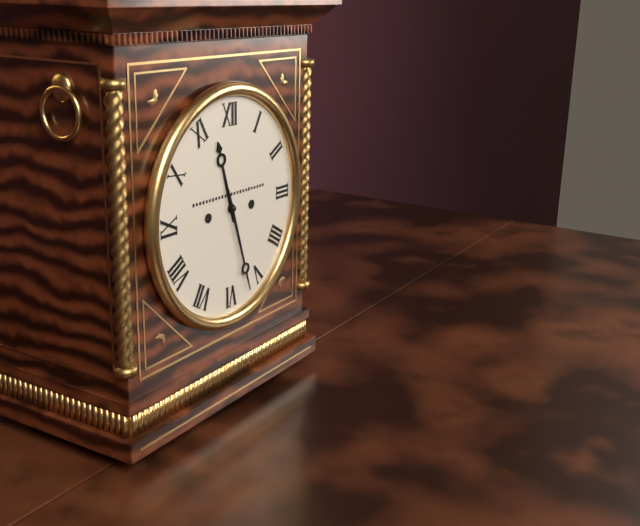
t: h=11 m=27
